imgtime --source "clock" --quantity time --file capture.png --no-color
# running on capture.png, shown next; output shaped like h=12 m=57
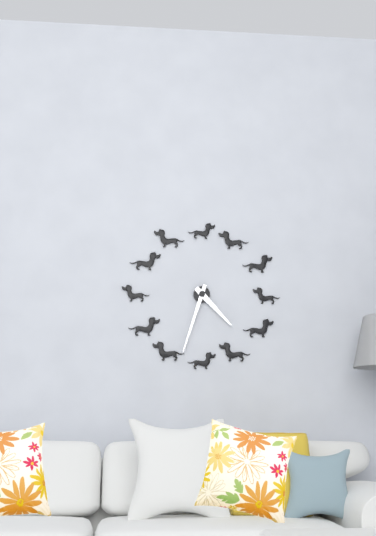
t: h=4 m=33
